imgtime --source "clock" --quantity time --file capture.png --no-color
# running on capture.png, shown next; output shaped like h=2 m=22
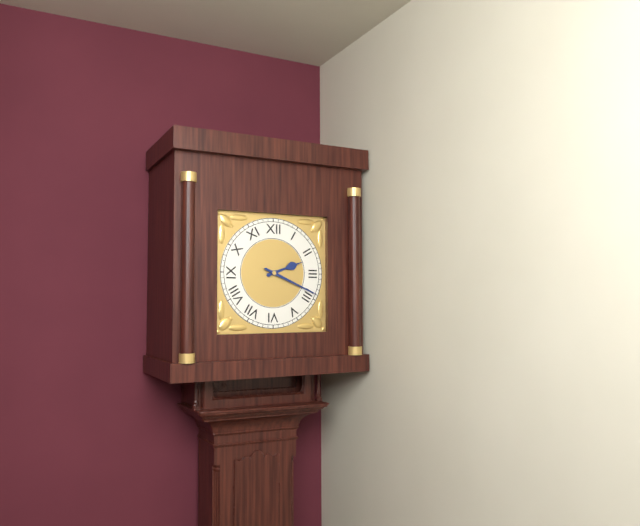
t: h=2 m=19
